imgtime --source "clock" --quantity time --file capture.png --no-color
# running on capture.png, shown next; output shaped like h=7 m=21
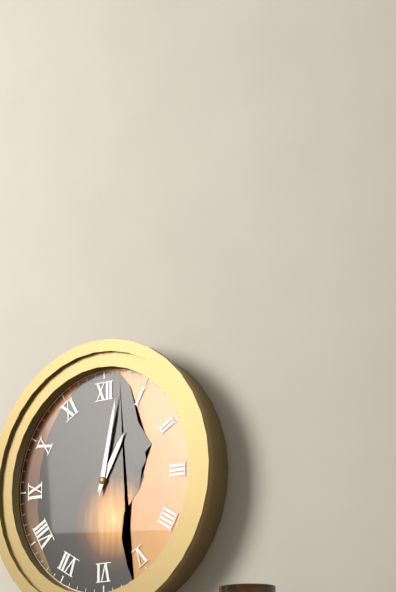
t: h=1 m=2
